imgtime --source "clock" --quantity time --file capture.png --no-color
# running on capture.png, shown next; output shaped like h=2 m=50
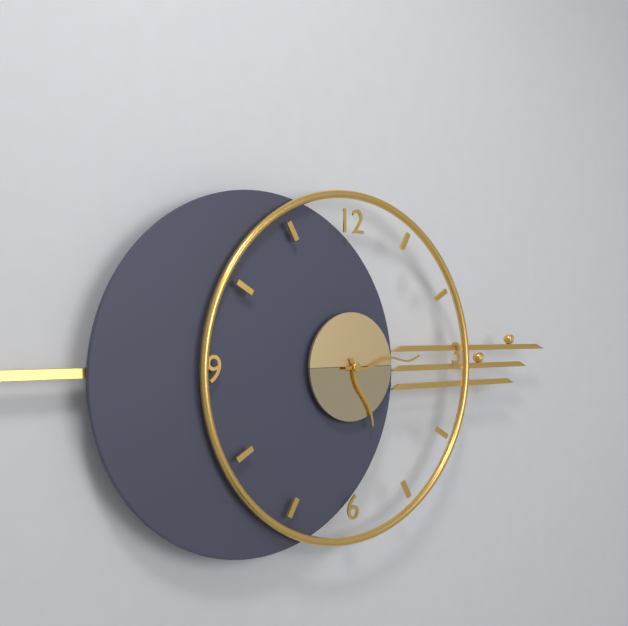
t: h=5 m=14
